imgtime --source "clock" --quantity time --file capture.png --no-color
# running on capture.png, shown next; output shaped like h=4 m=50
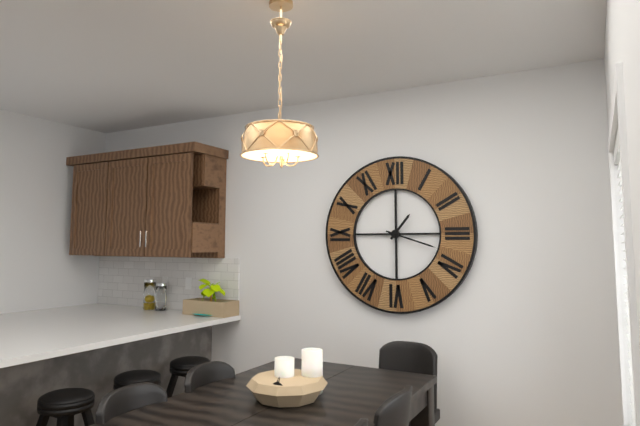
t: h=1 m=18
